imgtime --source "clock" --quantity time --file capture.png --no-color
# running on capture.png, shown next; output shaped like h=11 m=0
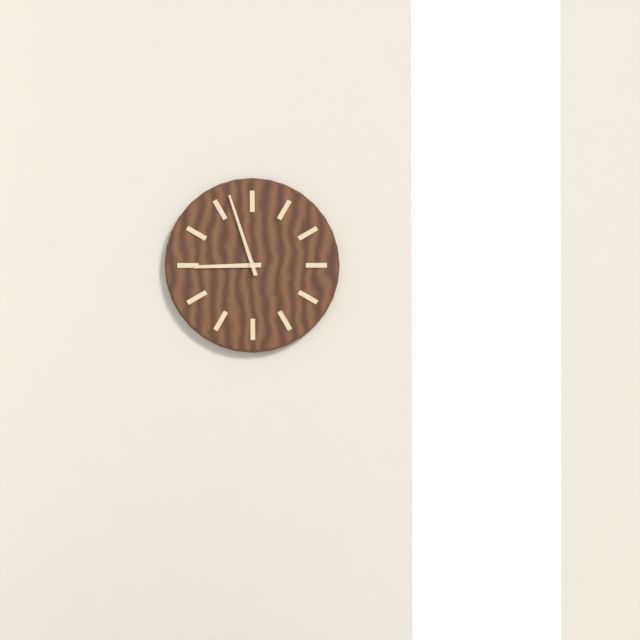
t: h=8 m=57
